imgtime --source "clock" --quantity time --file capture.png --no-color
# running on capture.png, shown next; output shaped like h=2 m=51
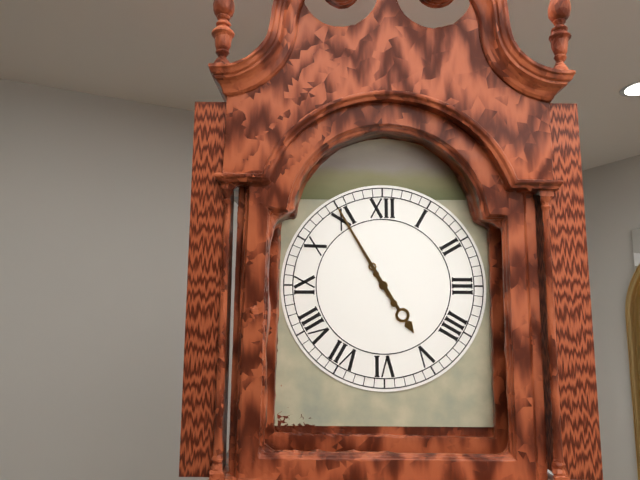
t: h=4 m=55
